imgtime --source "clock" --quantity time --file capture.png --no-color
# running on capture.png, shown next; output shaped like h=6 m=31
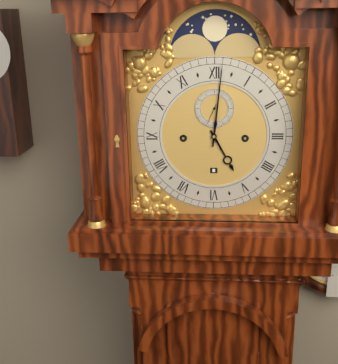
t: h=5 m=1
